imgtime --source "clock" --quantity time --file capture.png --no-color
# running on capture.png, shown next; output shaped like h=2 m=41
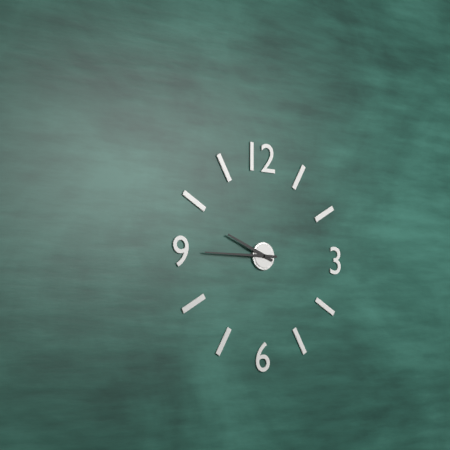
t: h=9 m=45
